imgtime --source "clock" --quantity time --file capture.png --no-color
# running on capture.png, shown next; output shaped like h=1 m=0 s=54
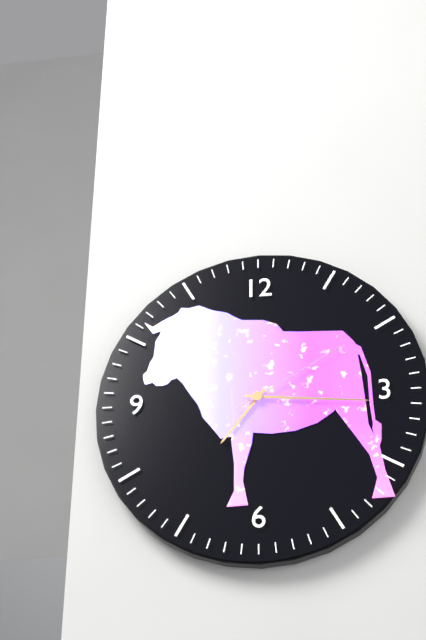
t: h=7 m=16 s=10
